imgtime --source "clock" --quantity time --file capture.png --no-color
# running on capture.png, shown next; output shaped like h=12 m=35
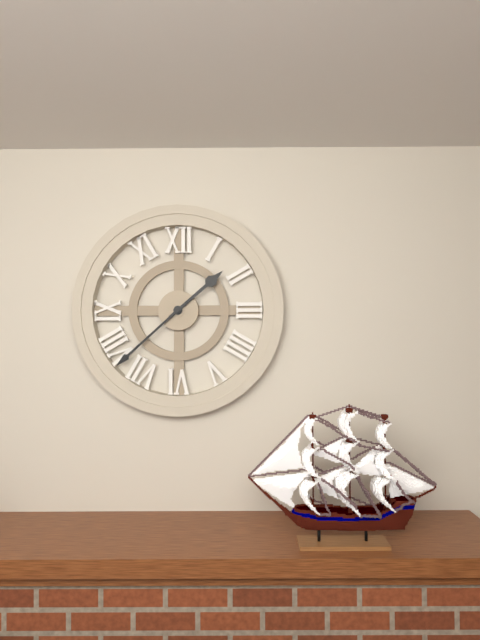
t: h=1 m=38
